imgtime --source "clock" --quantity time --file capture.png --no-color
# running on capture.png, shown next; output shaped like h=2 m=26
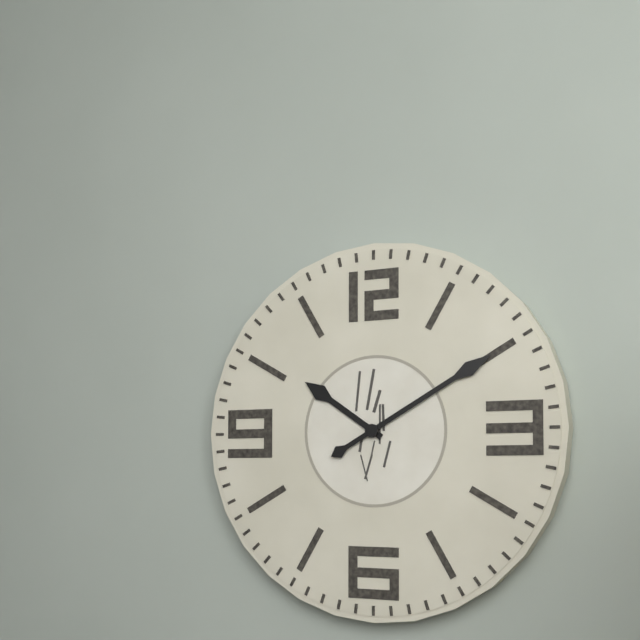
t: h=10 m=10
